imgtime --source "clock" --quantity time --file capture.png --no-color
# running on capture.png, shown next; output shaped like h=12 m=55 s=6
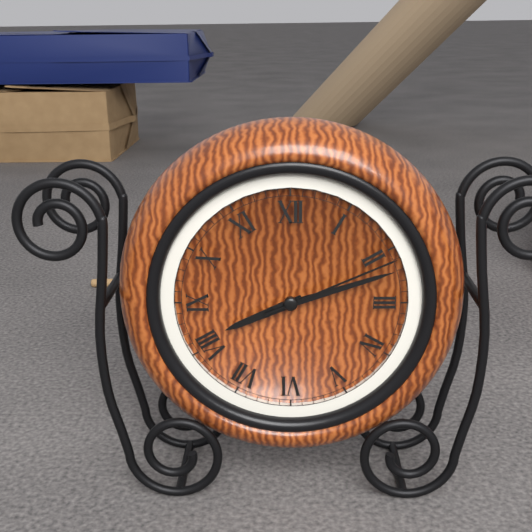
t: h=8 m=12 s=11
